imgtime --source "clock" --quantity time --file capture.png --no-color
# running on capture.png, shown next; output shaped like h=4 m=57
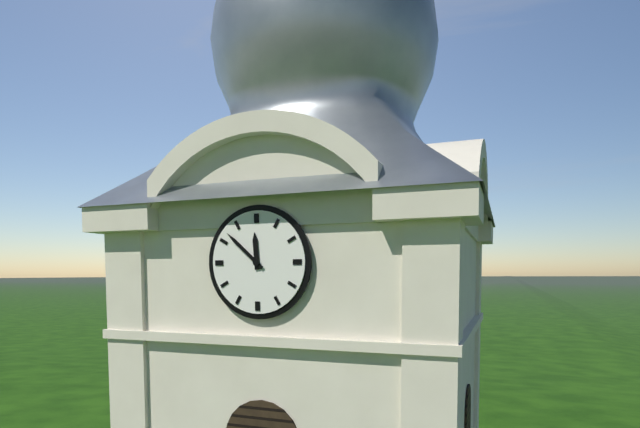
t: h=11 m=52
